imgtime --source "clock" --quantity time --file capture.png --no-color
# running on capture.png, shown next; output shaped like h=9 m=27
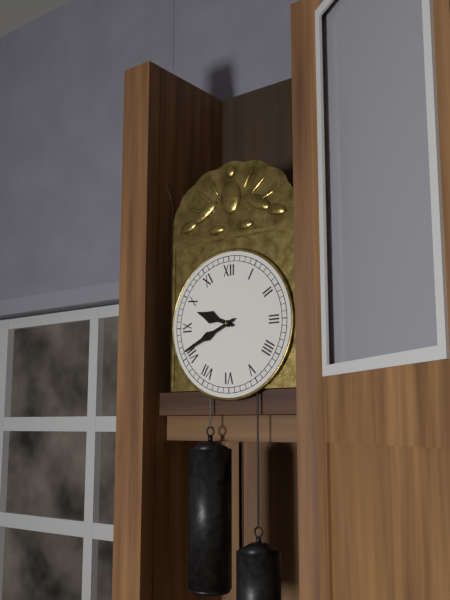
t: h=9 m=41
